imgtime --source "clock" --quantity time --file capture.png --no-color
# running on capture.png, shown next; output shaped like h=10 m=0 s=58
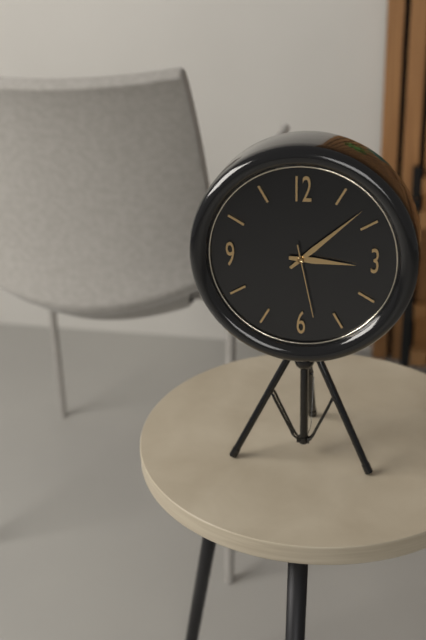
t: h=3 m=8 s=28
